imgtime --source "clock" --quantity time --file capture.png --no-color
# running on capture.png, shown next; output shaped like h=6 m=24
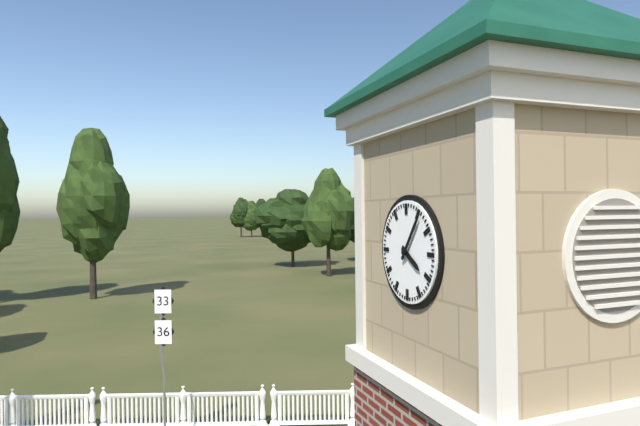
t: h=4 m=6
